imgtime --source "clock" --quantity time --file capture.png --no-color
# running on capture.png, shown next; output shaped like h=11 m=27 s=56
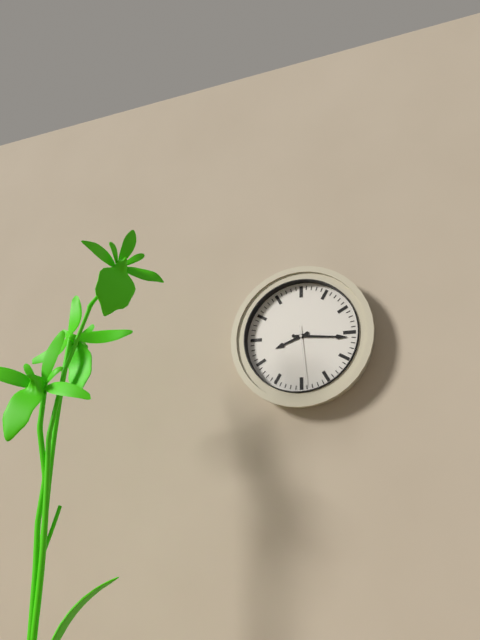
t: h=8 m=16 s=29
